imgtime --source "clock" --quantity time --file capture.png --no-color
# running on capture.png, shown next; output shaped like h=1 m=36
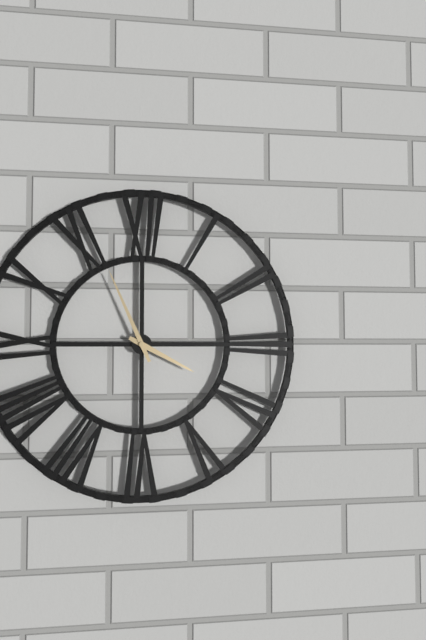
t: h=3 m=56
